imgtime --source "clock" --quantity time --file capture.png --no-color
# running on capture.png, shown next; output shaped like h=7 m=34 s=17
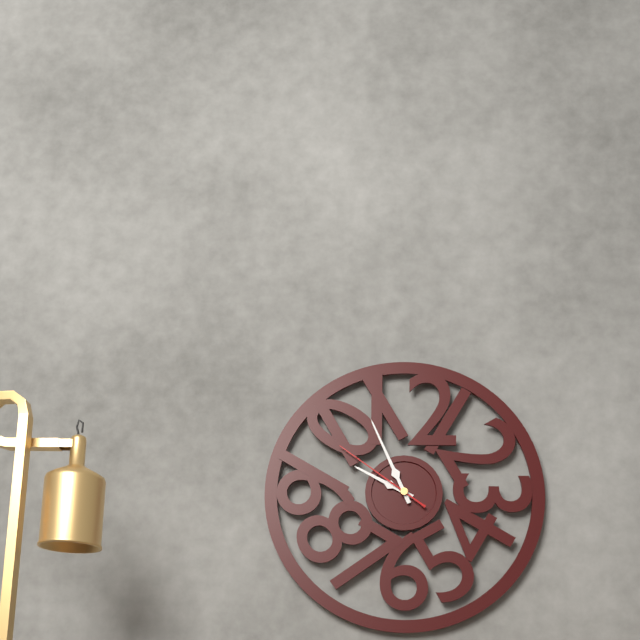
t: h=9 m=56 s=51
